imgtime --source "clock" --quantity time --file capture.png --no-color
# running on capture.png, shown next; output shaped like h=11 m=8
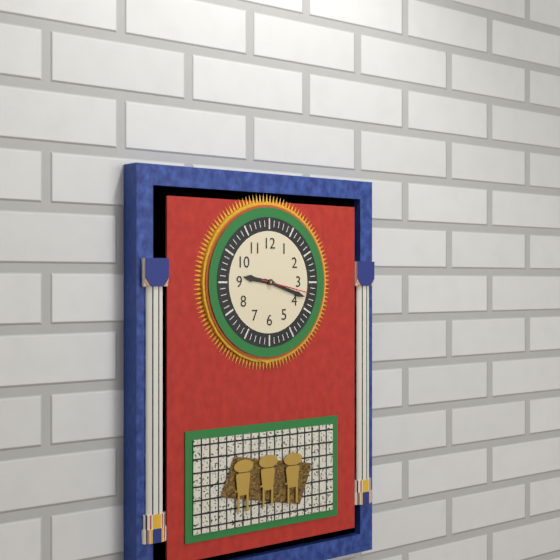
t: h=9 m=18
